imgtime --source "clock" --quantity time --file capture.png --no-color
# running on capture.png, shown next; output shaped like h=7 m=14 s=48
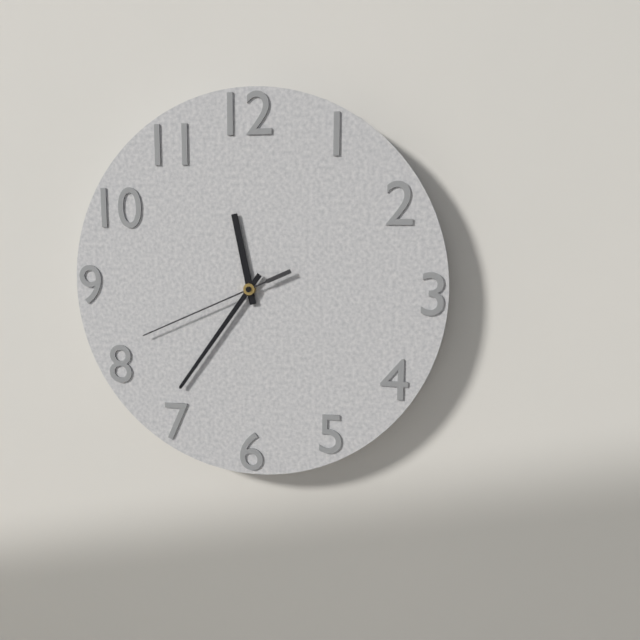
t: h=11 m=36 s=41
